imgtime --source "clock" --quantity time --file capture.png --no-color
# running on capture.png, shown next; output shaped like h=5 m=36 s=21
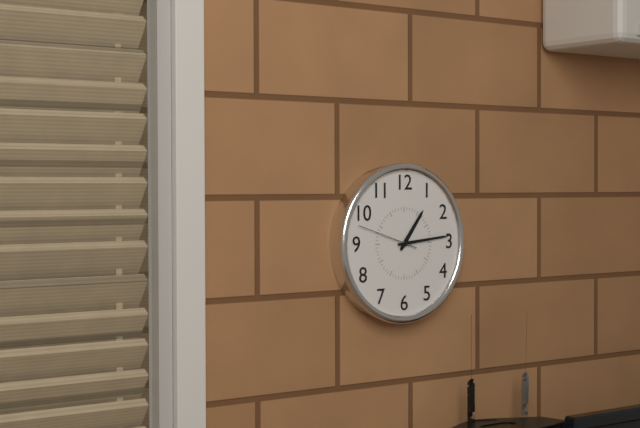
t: h=1 m=14 s=48
